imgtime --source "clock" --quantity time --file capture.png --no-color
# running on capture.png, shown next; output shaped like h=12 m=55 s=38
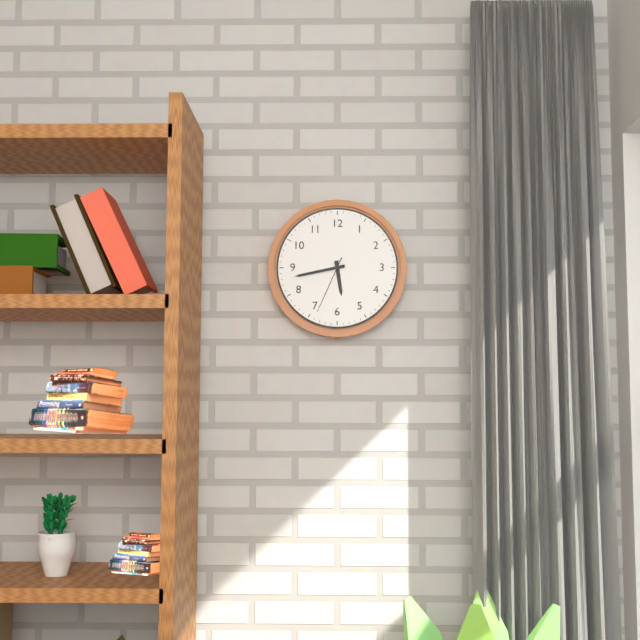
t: h=5 m=43 s=34
